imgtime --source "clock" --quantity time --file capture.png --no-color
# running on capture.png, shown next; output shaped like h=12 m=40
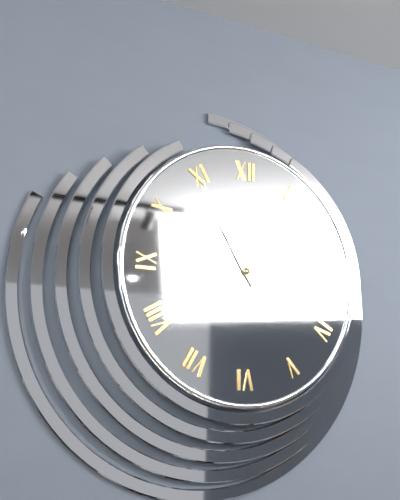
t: h=10 m=55
